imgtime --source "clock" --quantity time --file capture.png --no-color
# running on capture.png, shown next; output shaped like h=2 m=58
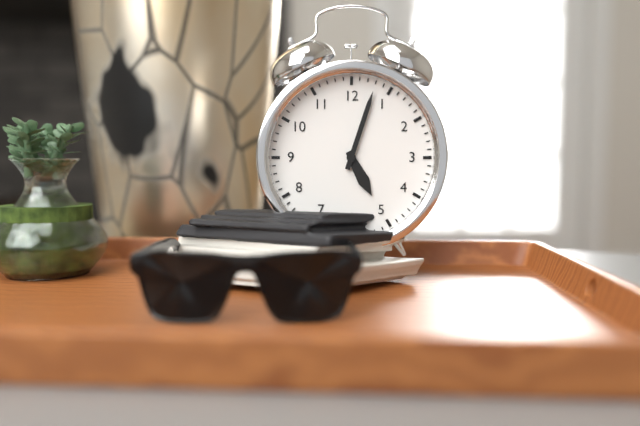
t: h=5 m=3
